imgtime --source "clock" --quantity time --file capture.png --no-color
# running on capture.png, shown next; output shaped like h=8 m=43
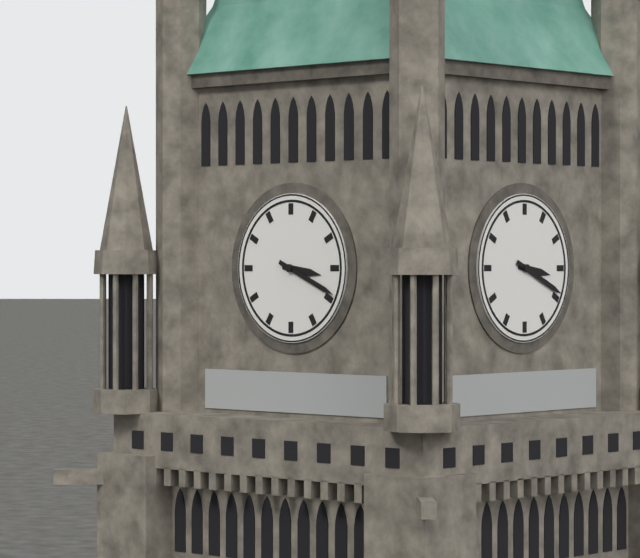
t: h=3 m=19
